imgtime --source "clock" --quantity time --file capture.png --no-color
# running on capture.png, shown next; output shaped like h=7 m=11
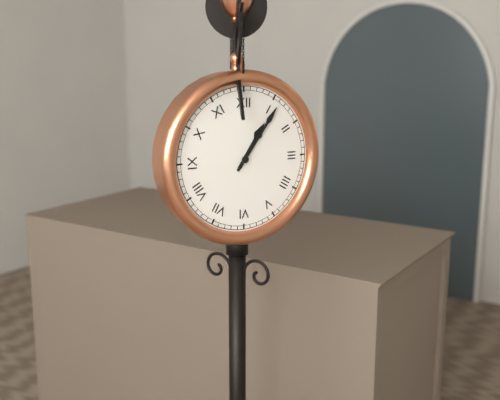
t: h=1 m=6
